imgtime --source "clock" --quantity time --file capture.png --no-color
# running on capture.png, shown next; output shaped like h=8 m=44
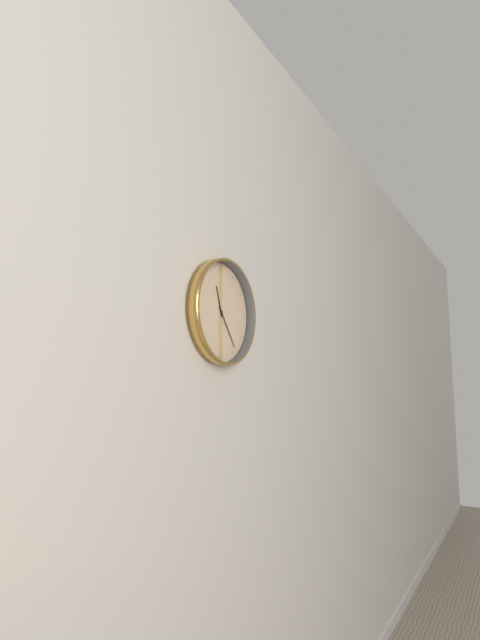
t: h=11 m=24
